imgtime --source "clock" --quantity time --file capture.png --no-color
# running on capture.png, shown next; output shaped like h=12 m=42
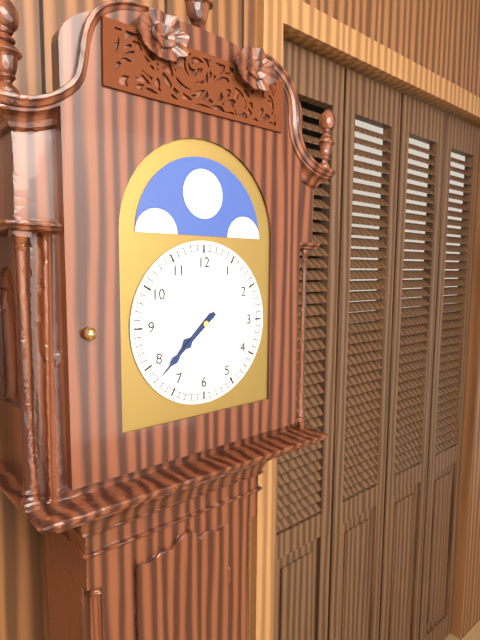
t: h=7 m=38
